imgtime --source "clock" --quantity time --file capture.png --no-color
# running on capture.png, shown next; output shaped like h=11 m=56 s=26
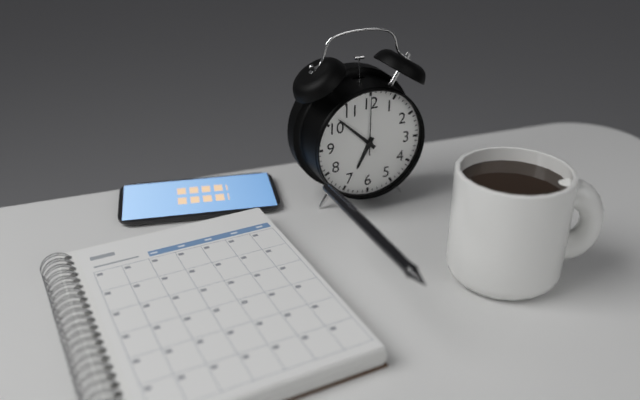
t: h=6 m=52 s=0
